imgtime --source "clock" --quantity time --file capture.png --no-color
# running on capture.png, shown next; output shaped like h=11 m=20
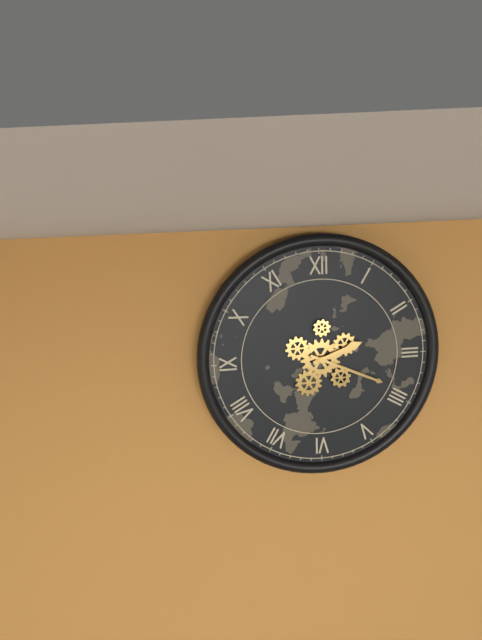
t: h=2 m=19
